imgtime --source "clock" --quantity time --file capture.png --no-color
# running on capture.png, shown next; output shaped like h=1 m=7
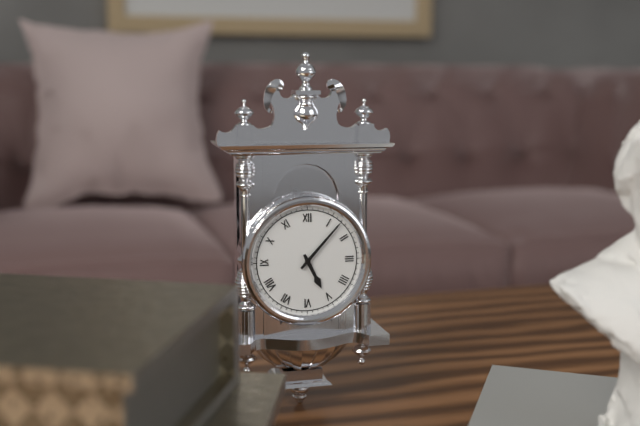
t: h=5 m=7
